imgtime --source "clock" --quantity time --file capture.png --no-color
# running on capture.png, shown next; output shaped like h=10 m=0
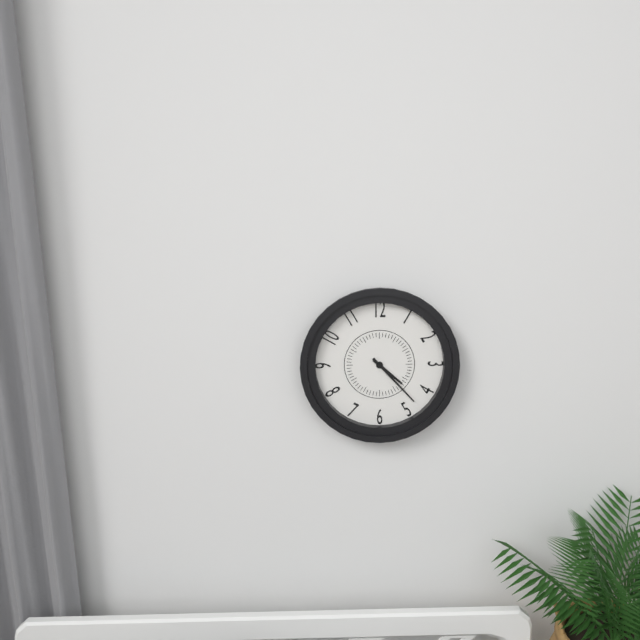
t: h=4 m=23
